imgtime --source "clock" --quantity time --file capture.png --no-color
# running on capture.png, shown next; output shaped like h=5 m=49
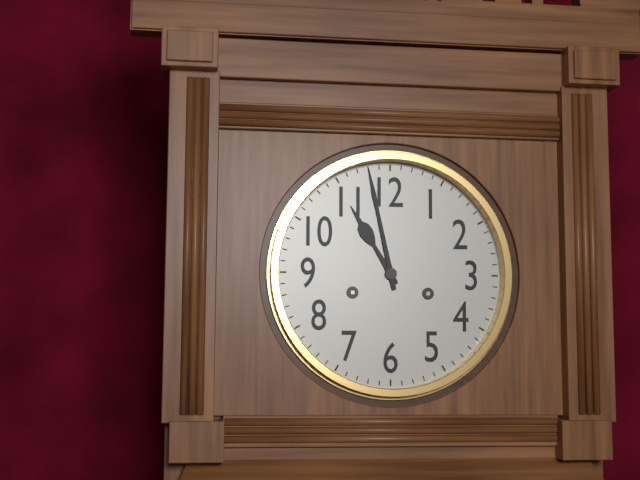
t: h=10 m=58
